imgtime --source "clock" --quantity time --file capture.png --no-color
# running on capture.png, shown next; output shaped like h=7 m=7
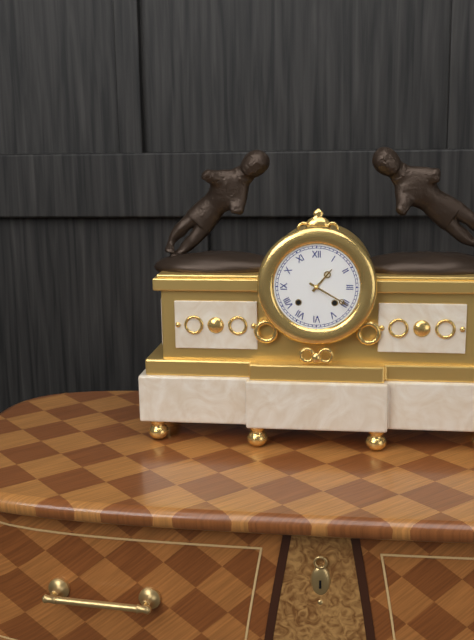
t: h=1 m=20
